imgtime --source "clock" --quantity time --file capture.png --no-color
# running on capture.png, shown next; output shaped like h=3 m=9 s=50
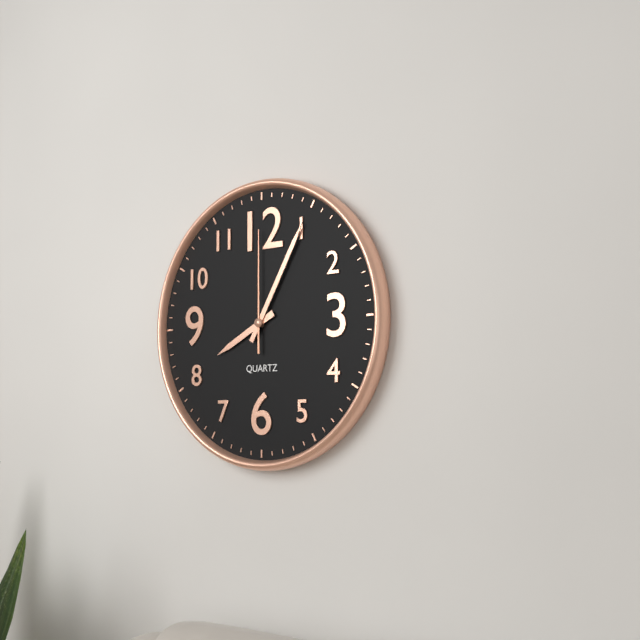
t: h=8 m=5 s=0
